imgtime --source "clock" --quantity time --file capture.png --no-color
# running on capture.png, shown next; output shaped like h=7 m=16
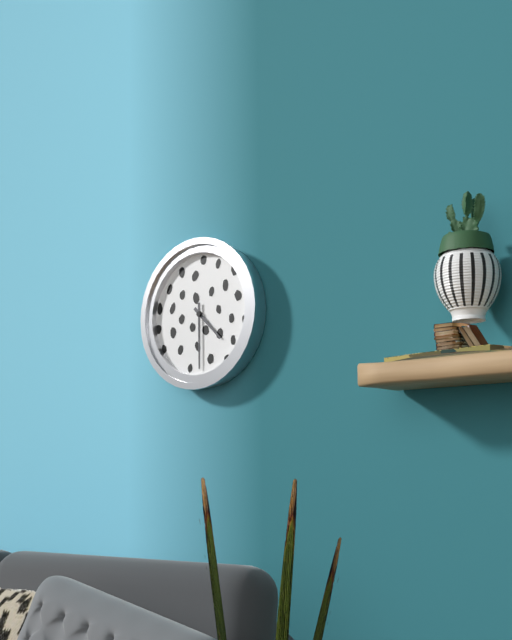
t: h=4 m=30
